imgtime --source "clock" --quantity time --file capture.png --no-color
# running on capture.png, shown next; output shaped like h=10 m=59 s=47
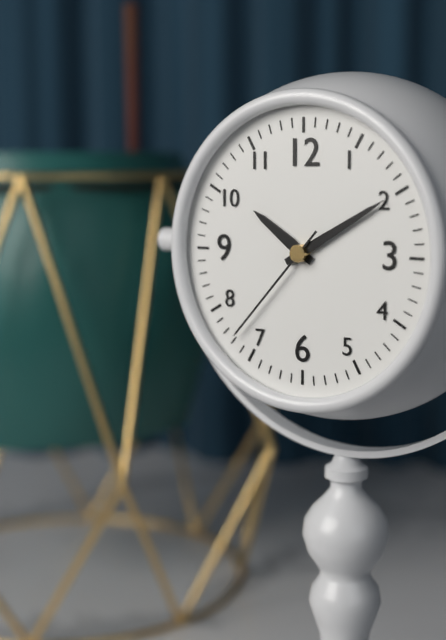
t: h=10 m=10 s=37
